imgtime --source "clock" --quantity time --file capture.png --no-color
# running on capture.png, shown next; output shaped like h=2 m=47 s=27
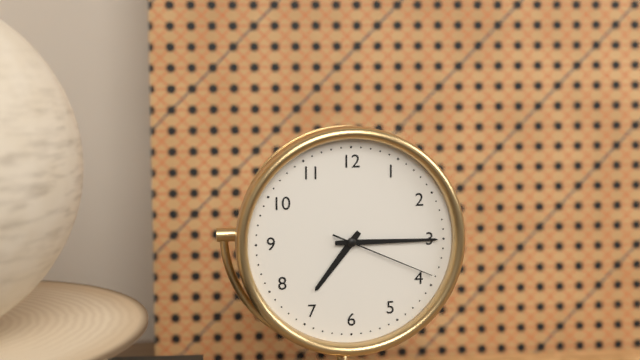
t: h=7 m=15 s=19
